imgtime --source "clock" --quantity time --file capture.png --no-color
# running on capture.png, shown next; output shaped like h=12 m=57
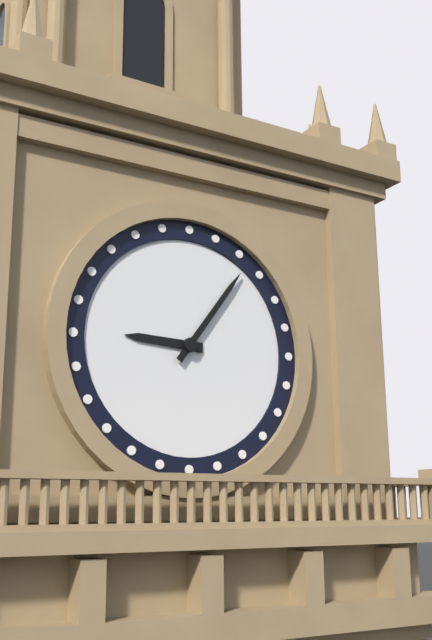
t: h=9 m=6
